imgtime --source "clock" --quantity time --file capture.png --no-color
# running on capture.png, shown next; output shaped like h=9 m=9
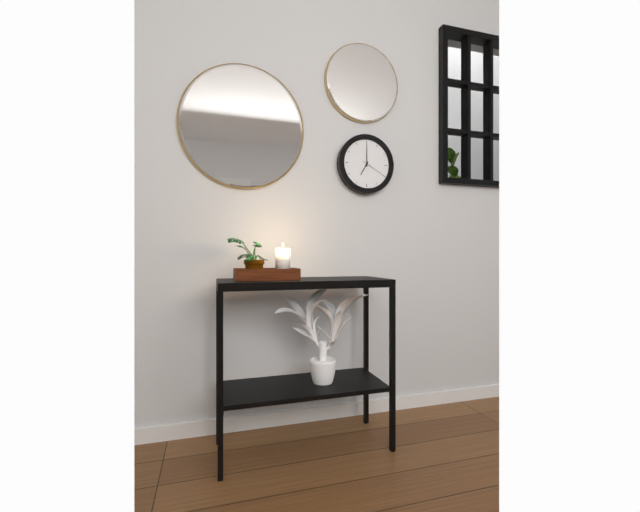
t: h=7 m=0
